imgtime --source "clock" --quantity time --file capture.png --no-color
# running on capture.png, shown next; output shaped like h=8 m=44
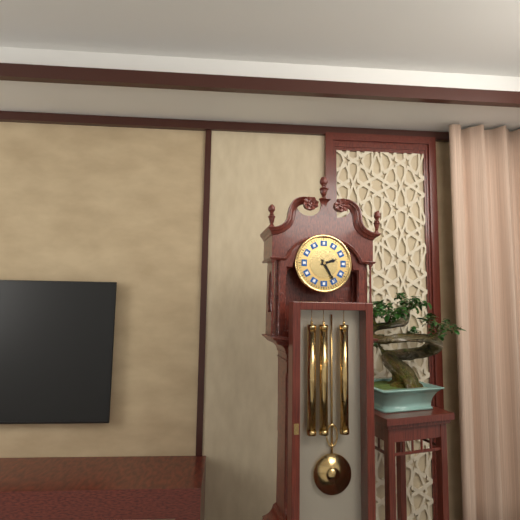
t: h=2 m=25
